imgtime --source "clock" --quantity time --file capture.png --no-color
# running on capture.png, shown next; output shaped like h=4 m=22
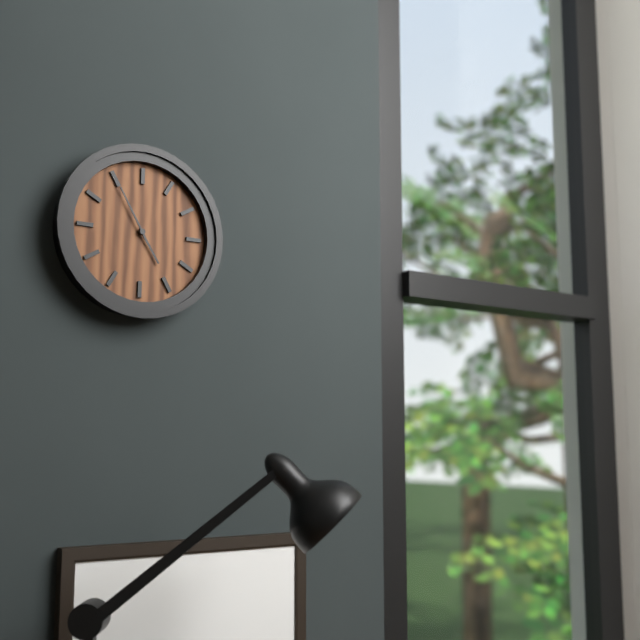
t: h=4 m=55
